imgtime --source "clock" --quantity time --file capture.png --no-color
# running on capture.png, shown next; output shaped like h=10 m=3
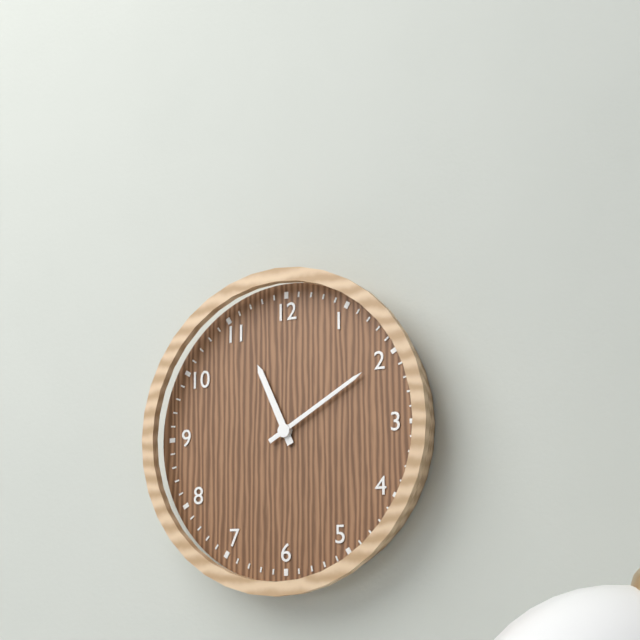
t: h=11 m=10
